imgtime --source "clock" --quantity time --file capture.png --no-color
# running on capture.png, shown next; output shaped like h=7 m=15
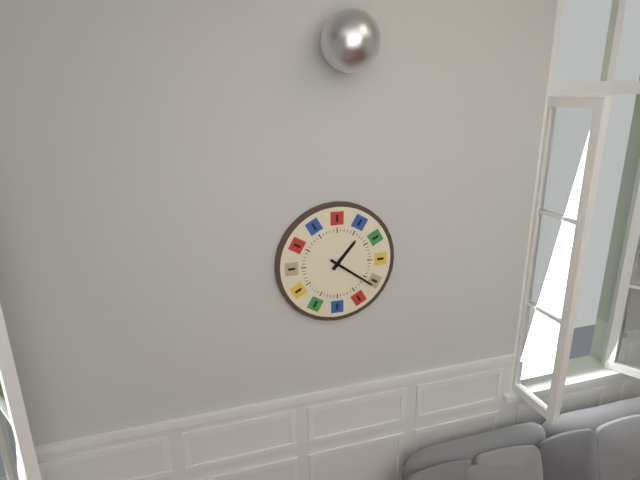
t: h=1 m=21
